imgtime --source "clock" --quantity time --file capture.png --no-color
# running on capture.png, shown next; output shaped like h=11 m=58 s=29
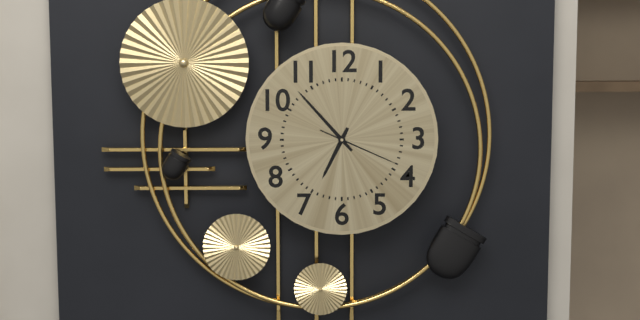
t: h=6 m=53 s=19
